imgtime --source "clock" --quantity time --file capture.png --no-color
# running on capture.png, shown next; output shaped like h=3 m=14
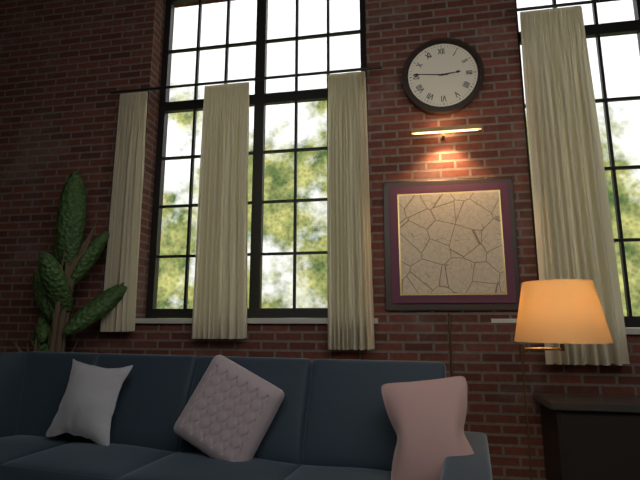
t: h=2 m=46
